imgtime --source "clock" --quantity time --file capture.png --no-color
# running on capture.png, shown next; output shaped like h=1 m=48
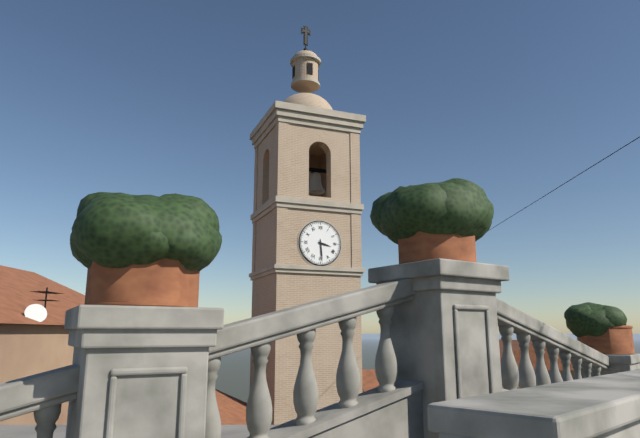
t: h=3 m=29
